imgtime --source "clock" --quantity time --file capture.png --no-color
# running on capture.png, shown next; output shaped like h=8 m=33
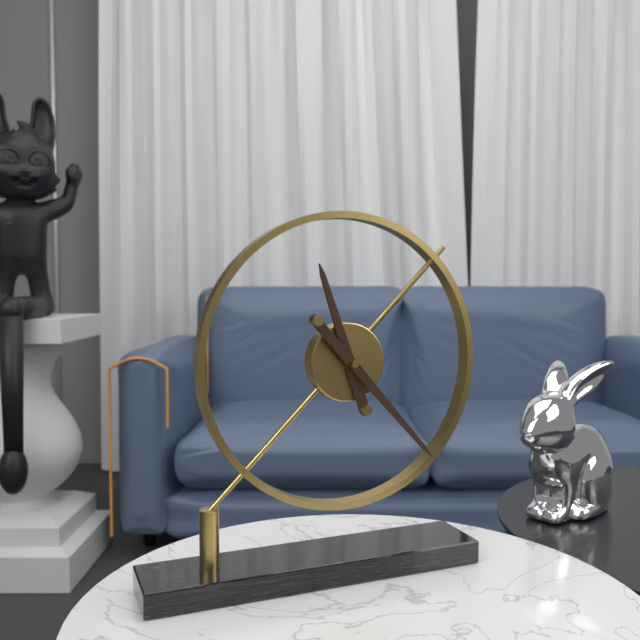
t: h=11 m=23
